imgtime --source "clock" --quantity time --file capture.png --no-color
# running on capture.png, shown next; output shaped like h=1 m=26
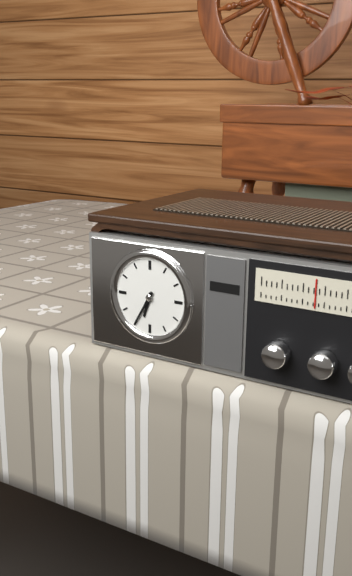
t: h=6 m=35
